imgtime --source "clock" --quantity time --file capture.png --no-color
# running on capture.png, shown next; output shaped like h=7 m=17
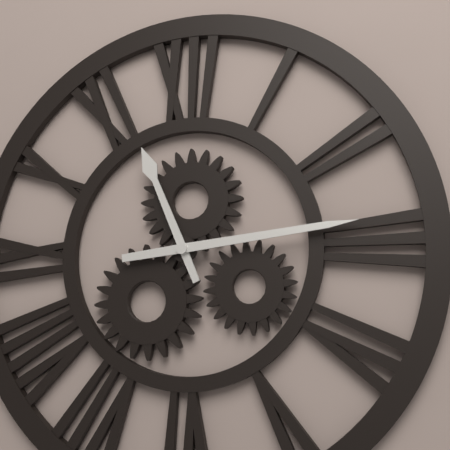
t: h=11 m=14
